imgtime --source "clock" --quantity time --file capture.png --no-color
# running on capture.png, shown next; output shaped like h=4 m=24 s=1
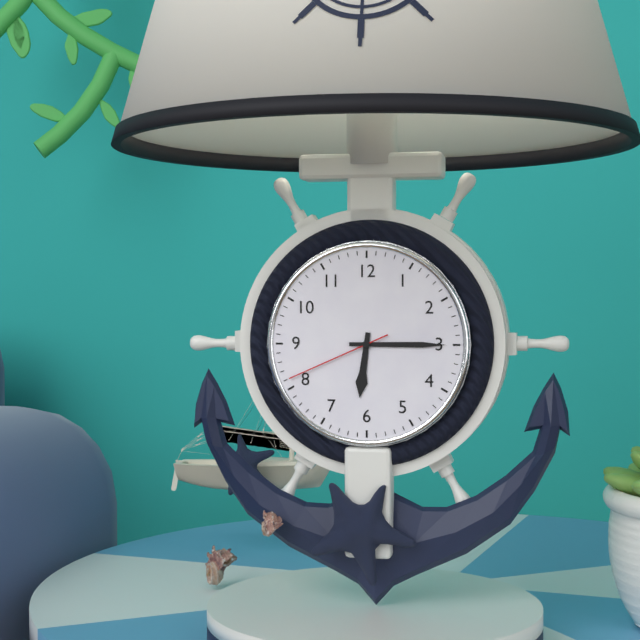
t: h=6 m=15 s=41
